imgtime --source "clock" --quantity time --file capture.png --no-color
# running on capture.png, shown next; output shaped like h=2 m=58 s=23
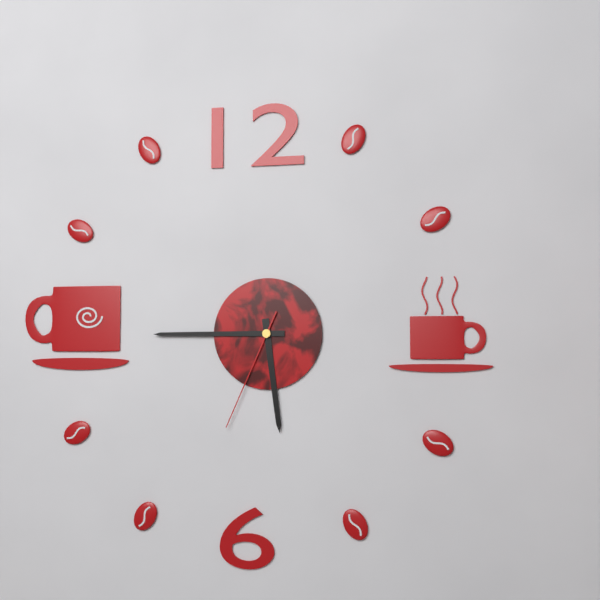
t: h=5 m=45 s=34
